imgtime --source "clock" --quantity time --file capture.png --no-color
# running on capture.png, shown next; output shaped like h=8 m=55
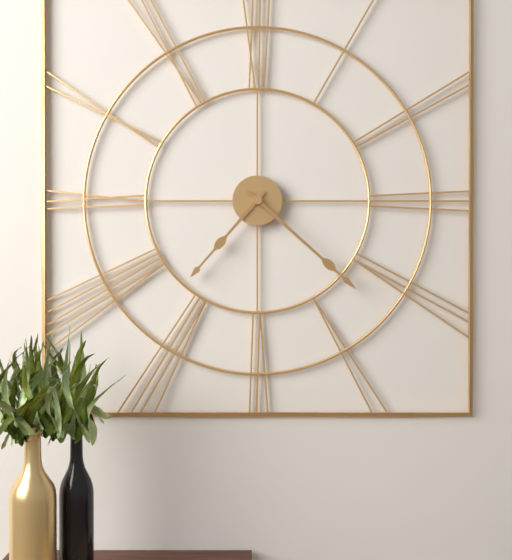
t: h=7 m=22
